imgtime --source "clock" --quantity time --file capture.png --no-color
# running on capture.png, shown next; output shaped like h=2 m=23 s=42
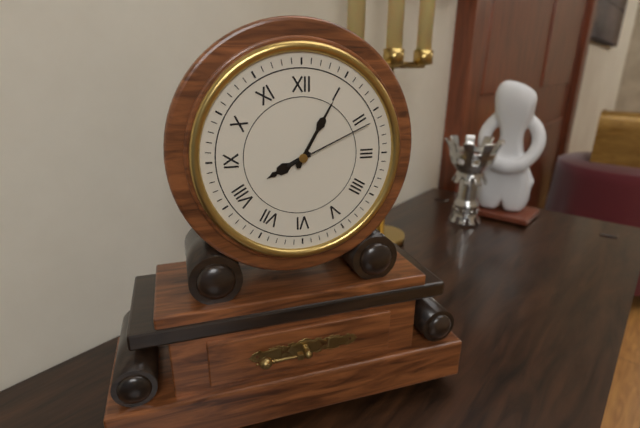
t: h=8 m=5 s=11
